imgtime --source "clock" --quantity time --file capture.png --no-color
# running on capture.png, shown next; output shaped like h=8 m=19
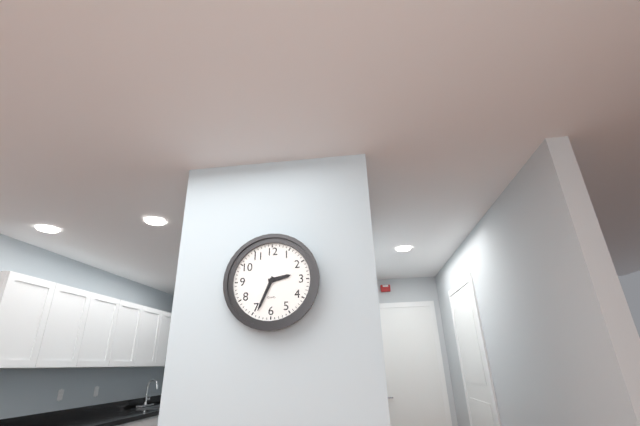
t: h=2 m=34
